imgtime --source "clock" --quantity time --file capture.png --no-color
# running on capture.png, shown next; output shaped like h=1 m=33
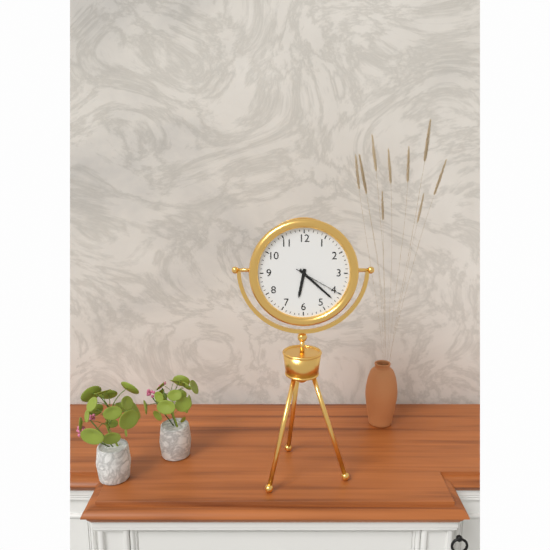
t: h=6 m=22
